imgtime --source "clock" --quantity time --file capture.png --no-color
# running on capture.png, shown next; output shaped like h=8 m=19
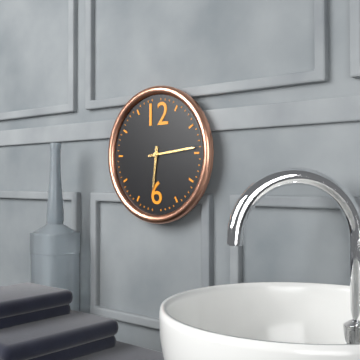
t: h=6 m=14
